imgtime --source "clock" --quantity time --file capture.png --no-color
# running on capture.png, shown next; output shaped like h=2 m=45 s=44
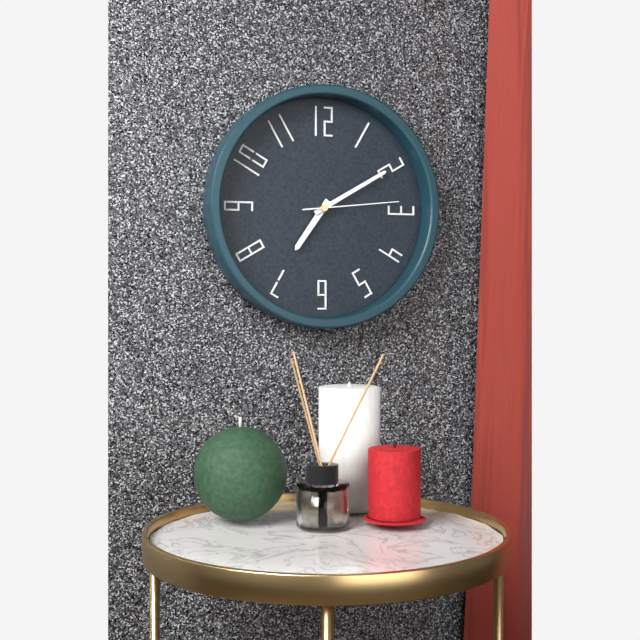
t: h=7 m=10 s=14
